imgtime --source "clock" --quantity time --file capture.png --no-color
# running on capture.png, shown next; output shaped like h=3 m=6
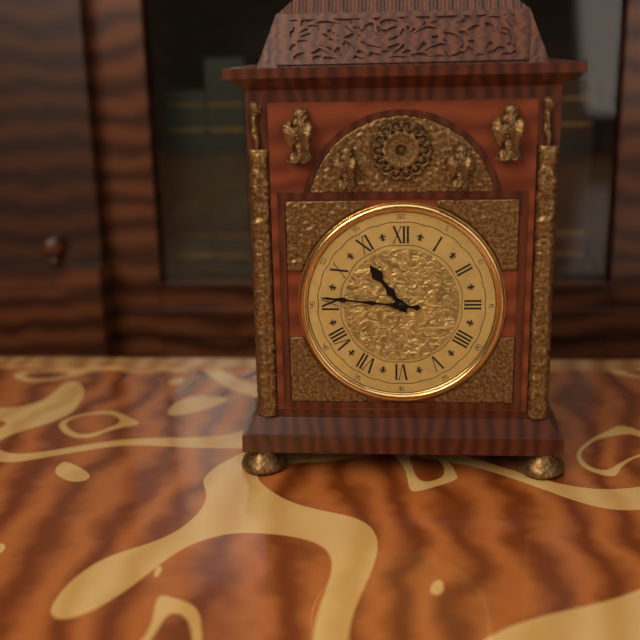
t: h=10 m=46
